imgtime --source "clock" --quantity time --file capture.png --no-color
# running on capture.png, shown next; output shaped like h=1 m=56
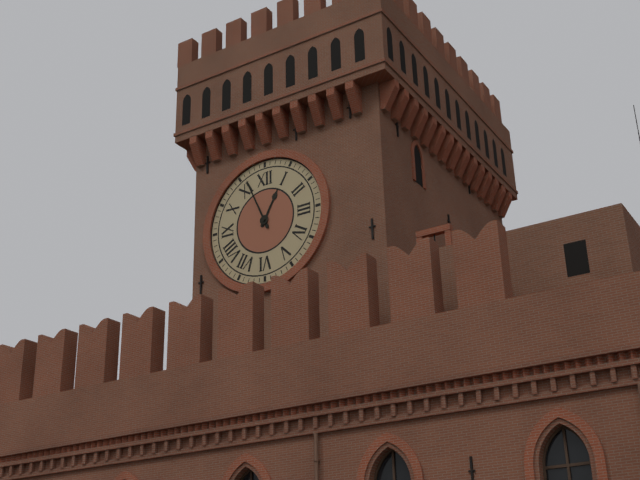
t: h=12 m=56
